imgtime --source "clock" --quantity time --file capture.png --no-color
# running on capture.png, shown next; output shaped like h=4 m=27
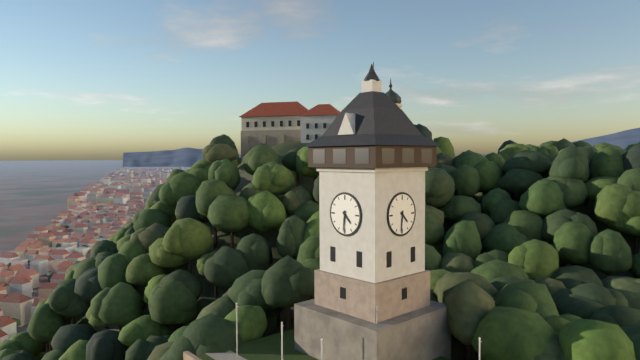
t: h=4 m=31
